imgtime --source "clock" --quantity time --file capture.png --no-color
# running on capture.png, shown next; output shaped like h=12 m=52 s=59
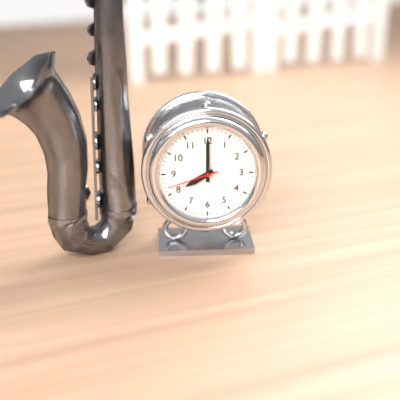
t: h=8 m=0 s=42
